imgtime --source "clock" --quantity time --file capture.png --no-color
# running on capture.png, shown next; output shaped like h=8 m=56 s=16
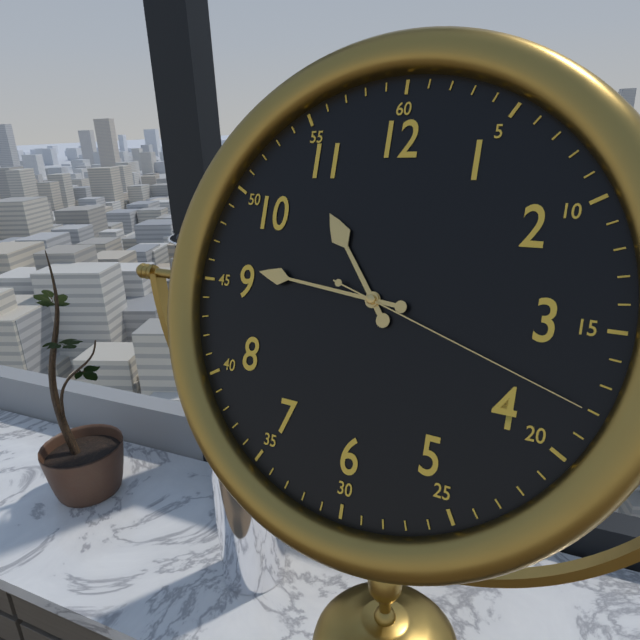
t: h=10 m=46 s=18
